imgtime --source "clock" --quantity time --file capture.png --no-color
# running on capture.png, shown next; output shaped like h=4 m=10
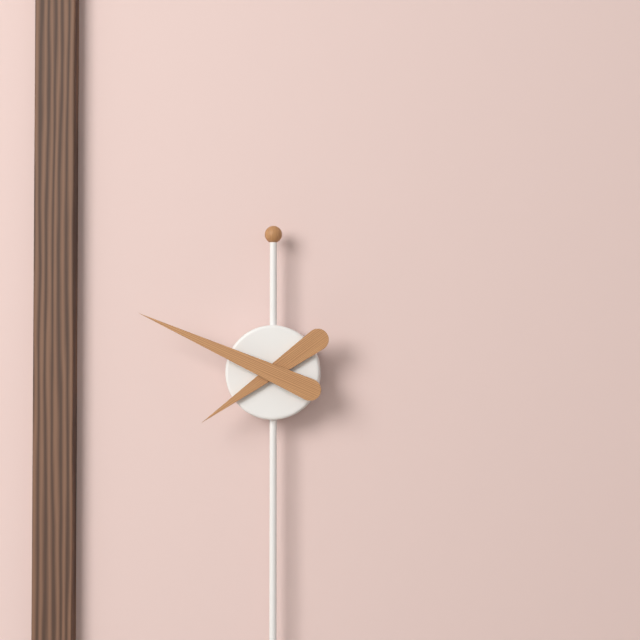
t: h=7 m=49
